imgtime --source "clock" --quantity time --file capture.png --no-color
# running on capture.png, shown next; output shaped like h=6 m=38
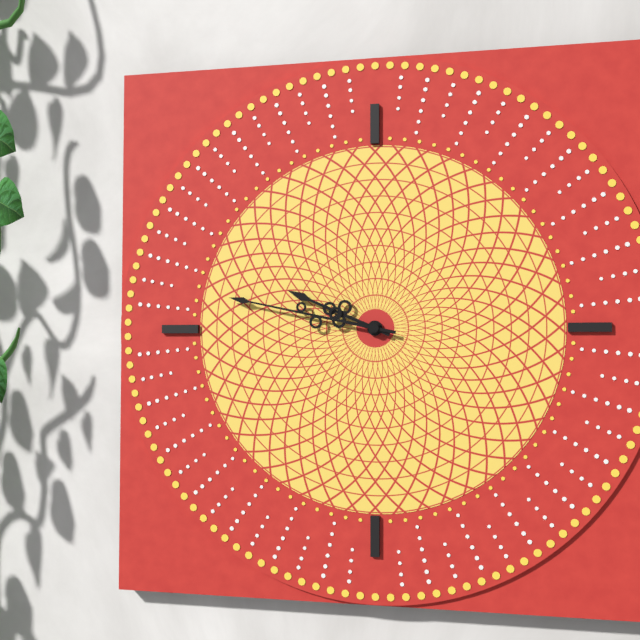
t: h=9 m=47
